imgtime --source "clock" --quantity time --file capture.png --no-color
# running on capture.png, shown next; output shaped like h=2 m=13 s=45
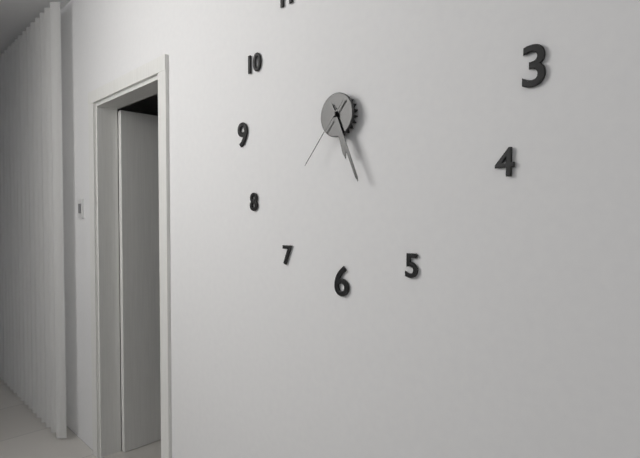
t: h=5 m=26 s=37
